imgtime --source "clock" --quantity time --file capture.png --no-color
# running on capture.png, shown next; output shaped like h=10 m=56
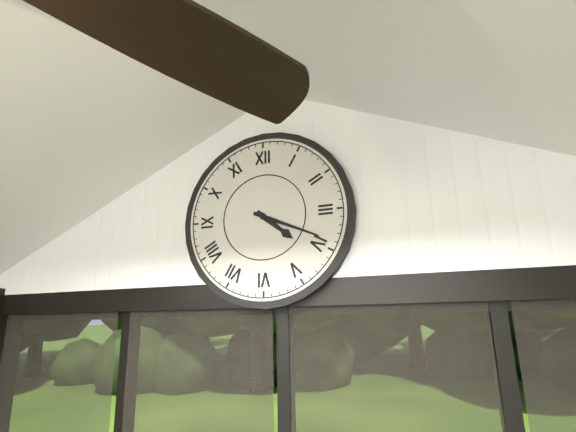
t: h=4 m=19
